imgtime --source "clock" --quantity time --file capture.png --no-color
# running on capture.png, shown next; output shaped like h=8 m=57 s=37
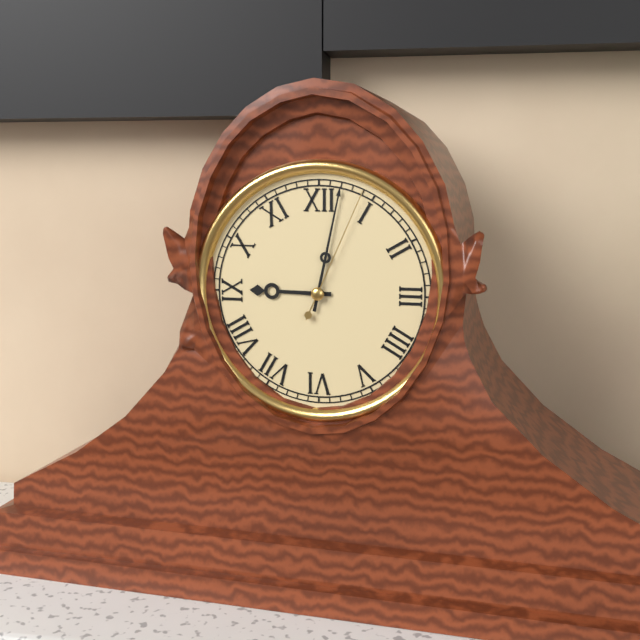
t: h=9 m=2 s=4
